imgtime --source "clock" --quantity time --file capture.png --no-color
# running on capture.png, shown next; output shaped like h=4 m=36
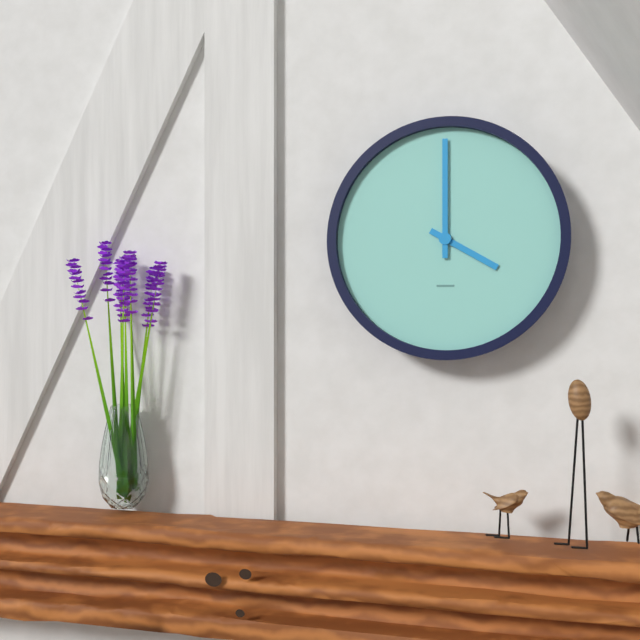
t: h=4 m=0
